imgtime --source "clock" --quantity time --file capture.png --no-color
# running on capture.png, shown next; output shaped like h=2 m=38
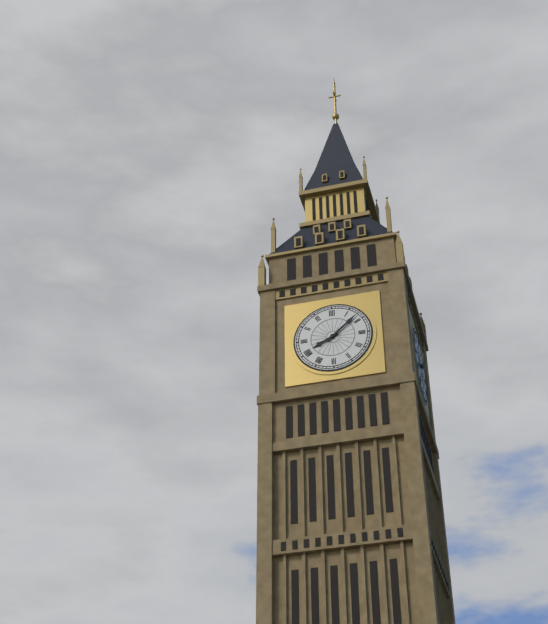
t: h=8 m=8
